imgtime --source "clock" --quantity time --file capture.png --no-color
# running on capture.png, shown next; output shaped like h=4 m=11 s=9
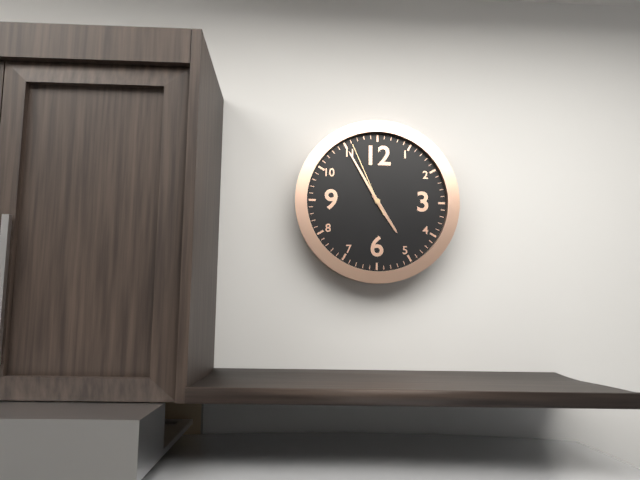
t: h=4 m=55 s=56
